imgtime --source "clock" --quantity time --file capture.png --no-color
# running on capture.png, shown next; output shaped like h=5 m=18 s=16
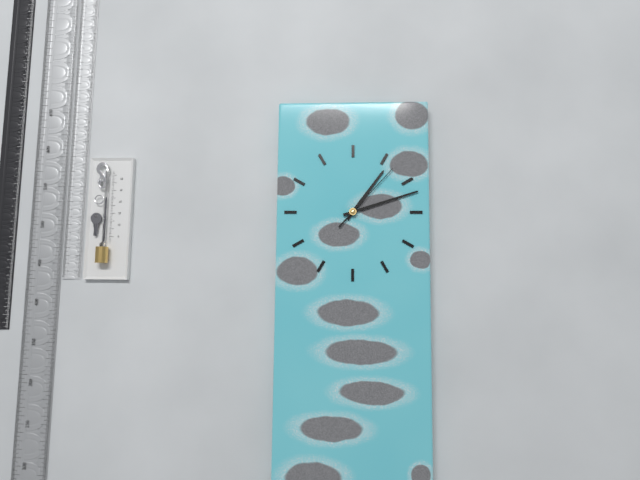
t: h=1 m=12 s=7
